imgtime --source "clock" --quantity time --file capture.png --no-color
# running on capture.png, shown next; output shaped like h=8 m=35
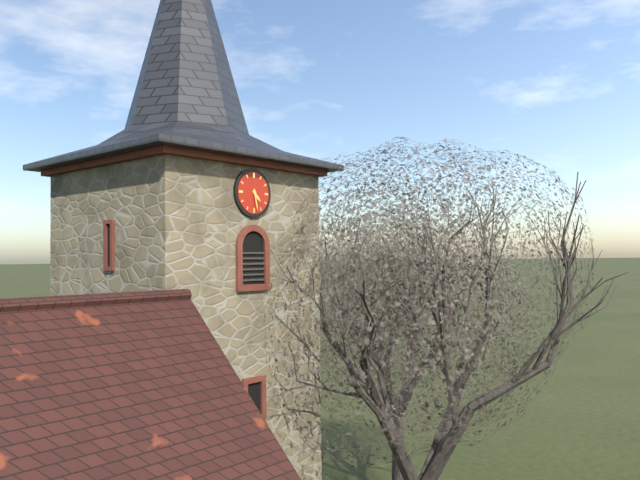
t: h=4 m=28
